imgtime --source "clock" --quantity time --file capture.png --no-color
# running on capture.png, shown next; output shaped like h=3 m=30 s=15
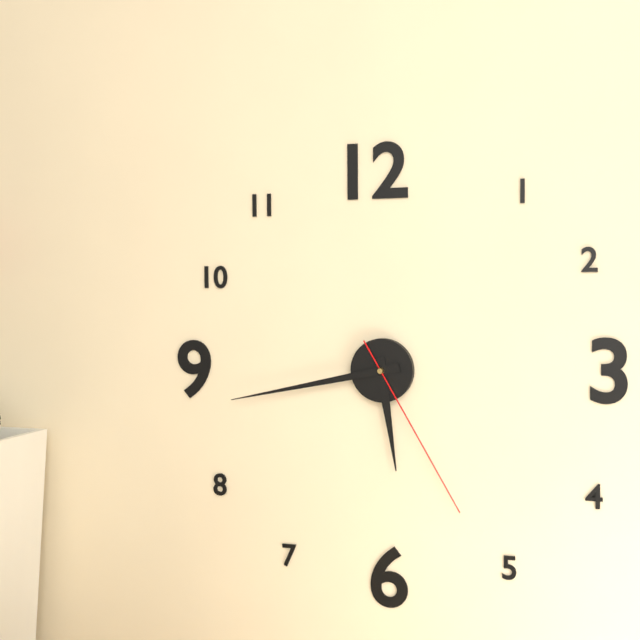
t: h=5 m=43 s=25
